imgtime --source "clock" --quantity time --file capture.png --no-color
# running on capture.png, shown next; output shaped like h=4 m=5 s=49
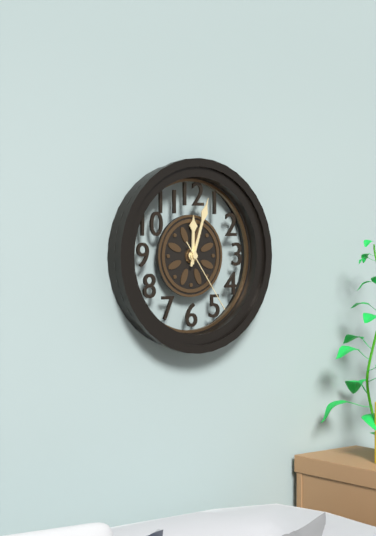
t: h=12 m=3 s=24
